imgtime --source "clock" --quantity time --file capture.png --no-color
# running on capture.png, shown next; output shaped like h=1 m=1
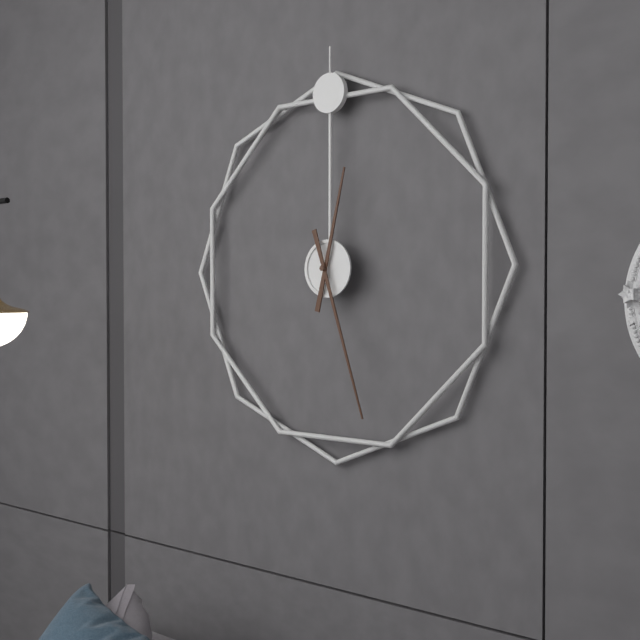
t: h=12 m=27
